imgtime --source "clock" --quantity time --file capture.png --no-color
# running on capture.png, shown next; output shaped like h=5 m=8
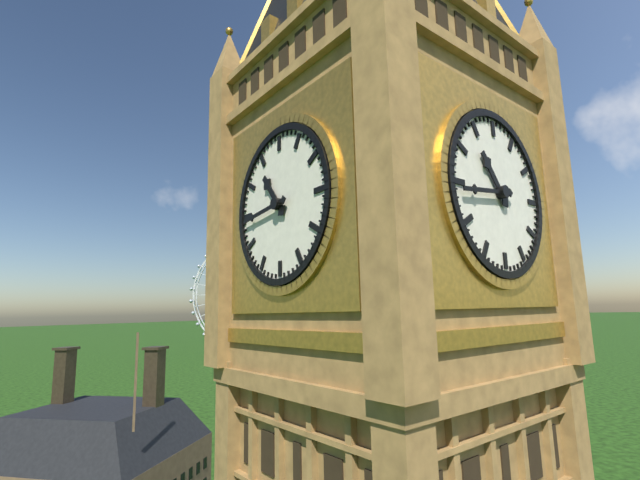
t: h=10 m=44
